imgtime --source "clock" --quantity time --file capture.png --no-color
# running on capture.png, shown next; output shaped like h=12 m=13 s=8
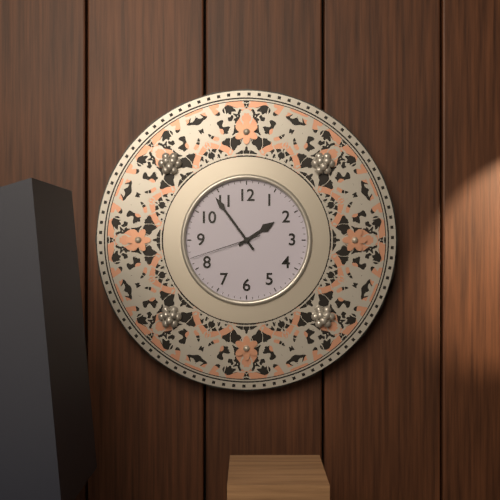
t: h=1 m=54 s=42
